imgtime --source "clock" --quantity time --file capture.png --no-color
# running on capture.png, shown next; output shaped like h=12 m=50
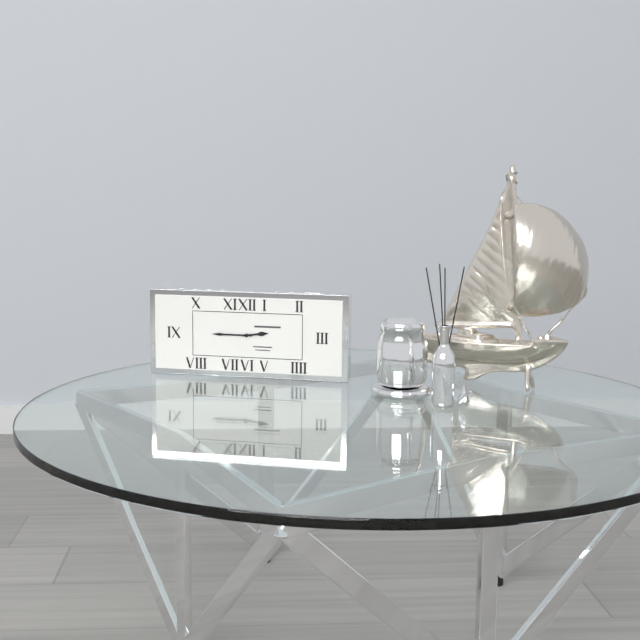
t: h=2 m=45
